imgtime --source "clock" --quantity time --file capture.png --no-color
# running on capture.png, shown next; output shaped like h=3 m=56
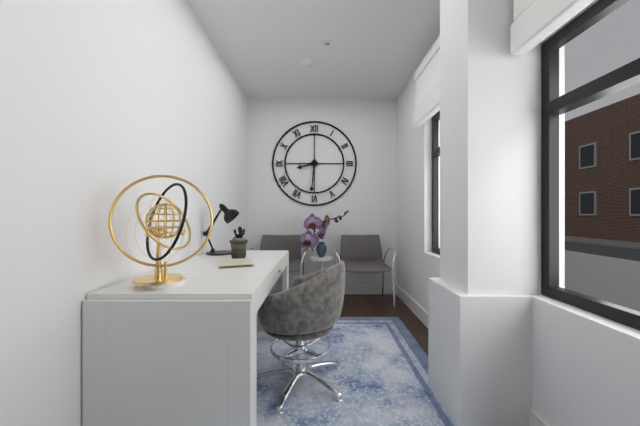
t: h=8 m=31
